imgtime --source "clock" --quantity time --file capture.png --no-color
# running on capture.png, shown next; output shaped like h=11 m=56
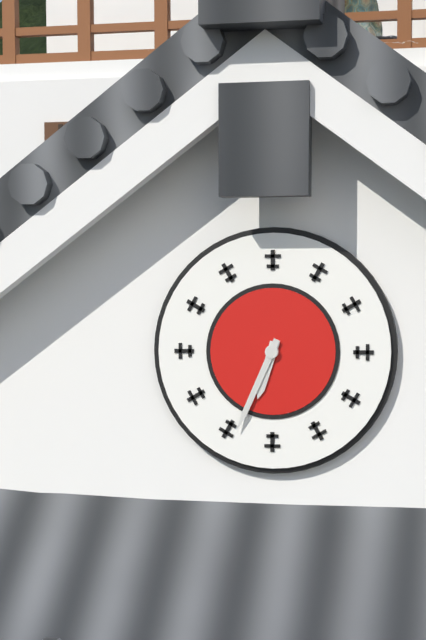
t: h=6 m=34
